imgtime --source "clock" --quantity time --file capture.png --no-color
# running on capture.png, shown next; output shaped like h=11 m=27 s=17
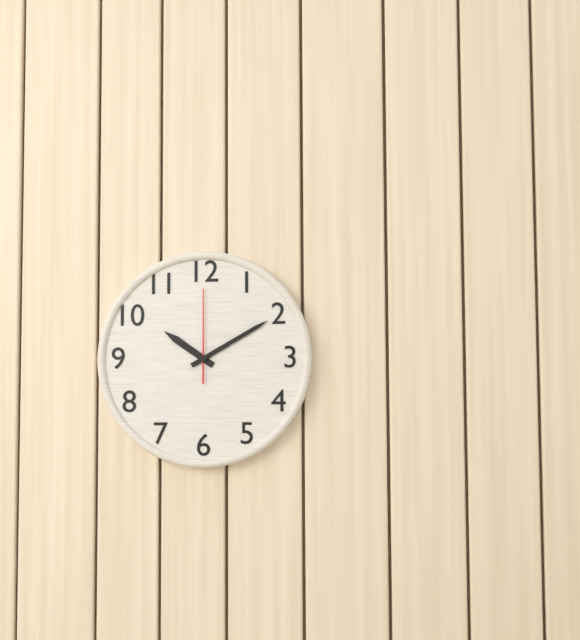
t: h=10 m=10 s=0
